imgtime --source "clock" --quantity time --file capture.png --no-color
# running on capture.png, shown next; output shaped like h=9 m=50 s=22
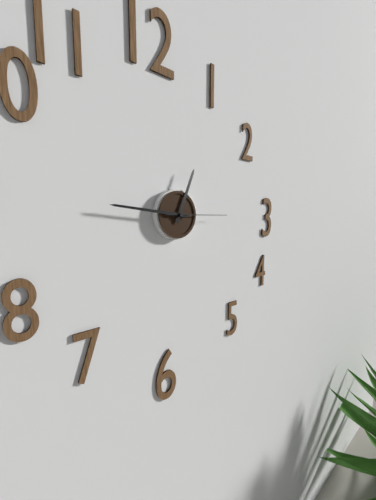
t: h=12 m=46 s=15
